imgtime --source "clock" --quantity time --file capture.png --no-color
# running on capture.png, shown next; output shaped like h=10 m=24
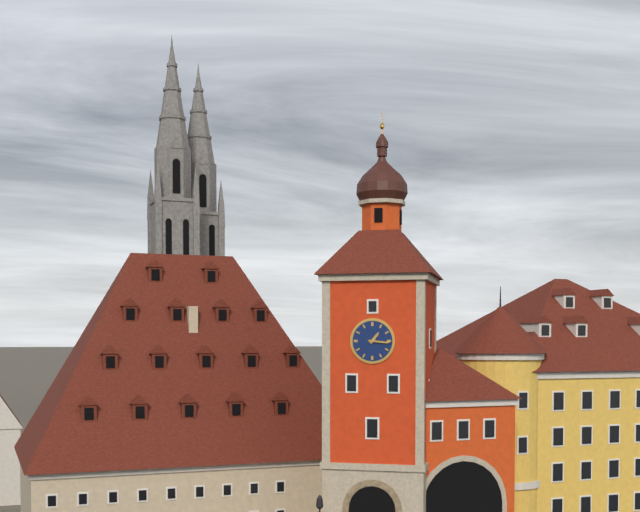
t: h=1 m=16
